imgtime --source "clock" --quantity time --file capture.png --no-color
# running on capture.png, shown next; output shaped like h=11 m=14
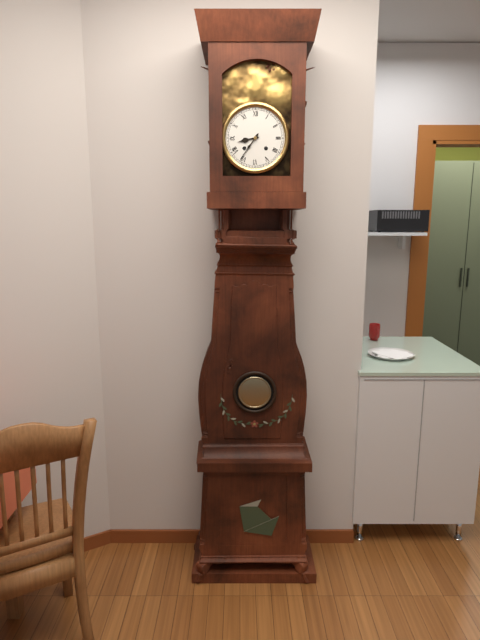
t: h=8 m=36
